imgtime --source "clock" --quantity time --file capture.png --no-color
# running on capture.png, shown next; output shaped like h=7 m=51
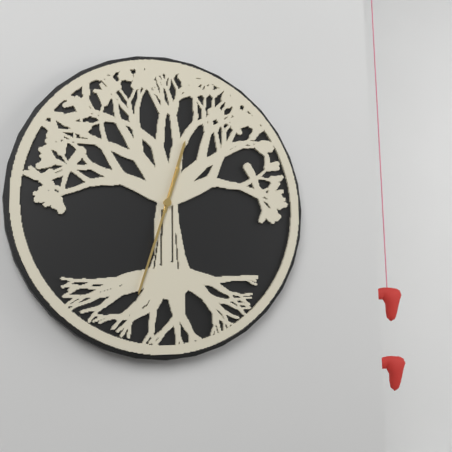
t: h=12 m=33
